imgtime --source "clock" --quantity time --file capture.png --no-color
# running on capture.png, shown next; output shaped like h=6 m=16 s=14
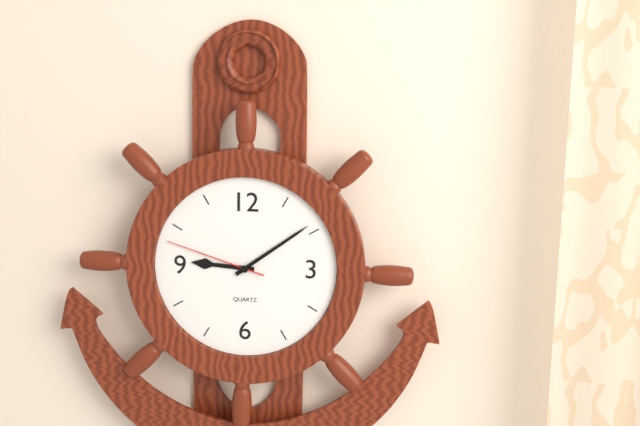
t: h=9 m=9 s=48
